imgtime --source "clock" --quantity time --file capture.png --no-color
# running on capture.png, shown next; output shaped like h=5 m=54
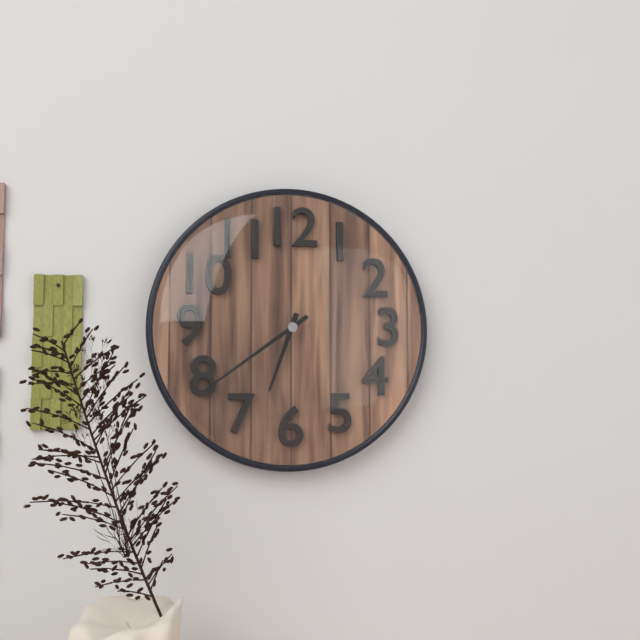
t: h=6 m=39
